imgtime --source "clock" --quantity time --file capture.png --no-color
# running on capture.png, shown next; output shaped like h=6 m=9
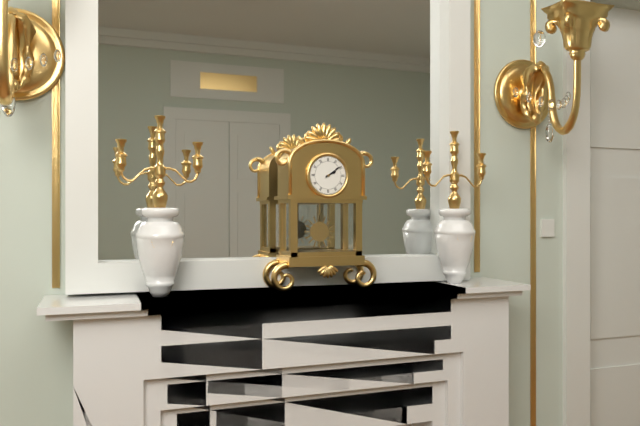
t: h=2 m=9
